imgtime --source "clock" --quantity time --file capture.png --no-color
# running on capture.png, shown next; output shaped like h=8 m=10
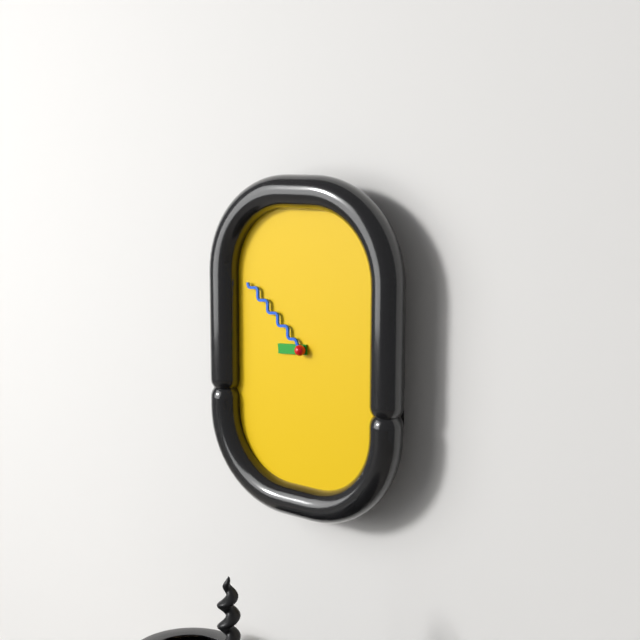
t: h=8 m=52
